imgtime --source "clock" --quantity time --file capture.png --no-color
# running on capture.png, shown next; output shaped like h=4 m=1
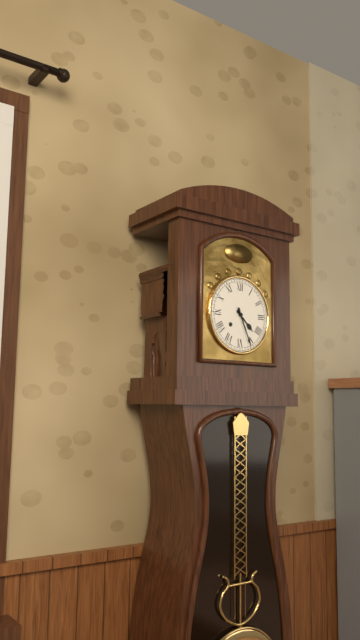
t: h=4 m=26
